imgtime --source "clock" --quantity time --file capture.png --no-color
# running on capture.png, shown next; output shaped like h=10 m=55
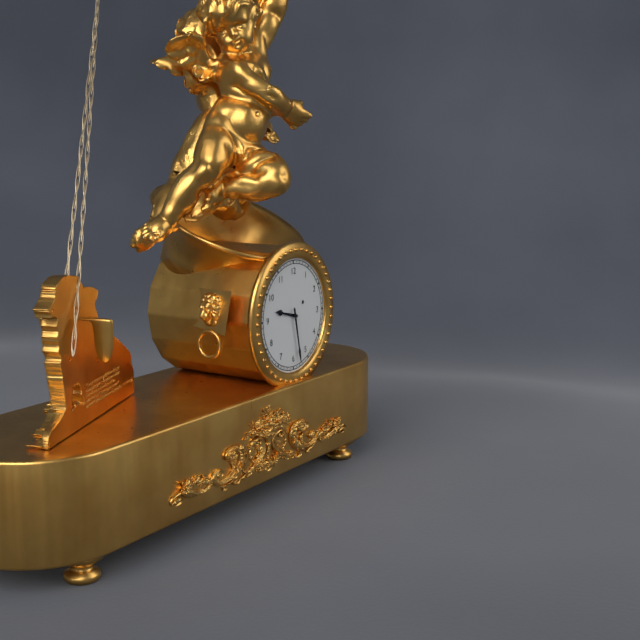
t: h=9 m=28
